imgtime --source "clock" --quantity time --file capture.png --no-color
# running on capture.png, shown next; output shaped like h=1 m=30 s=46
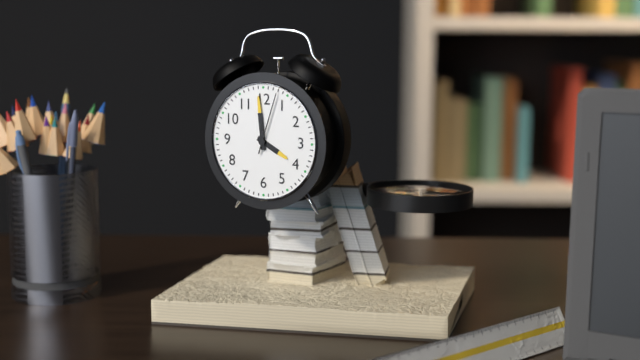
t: h=3 m=59 s=3
